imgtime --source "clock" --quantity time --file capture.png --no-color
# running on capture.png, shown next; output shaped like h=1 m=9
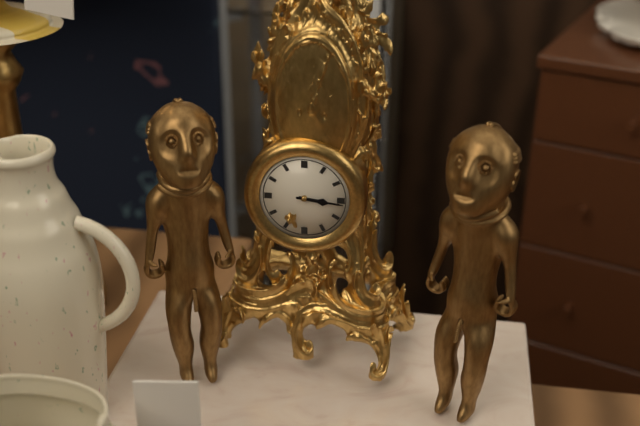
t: h=3 m=16
